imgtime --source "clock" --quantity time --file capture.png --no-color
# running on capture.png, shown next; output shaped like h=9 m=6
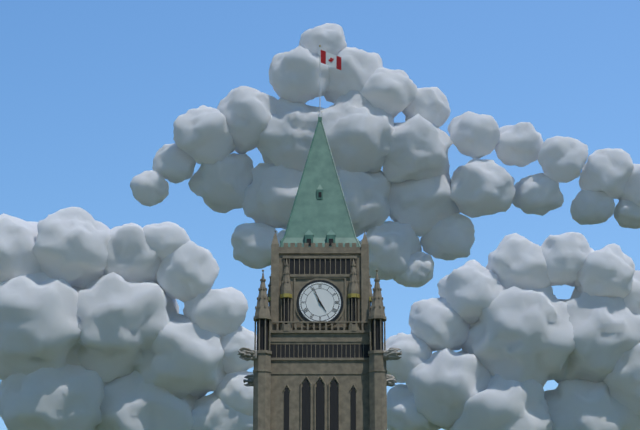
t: h=4 m=56
